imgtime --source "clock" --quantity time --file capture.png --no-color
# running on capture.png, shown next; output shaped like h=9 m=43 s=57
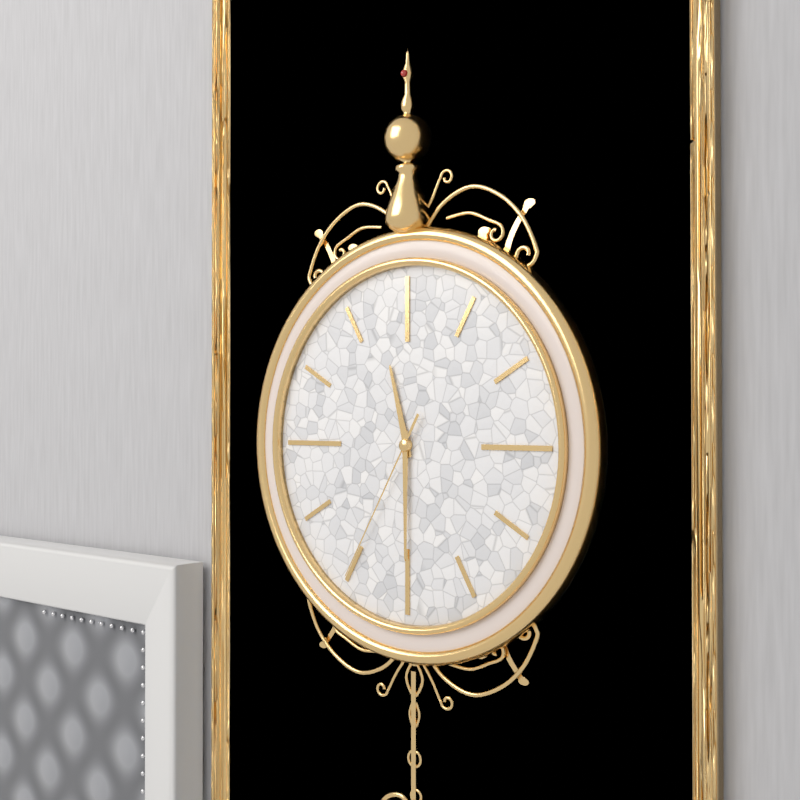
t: h=11 m=30 s=35
